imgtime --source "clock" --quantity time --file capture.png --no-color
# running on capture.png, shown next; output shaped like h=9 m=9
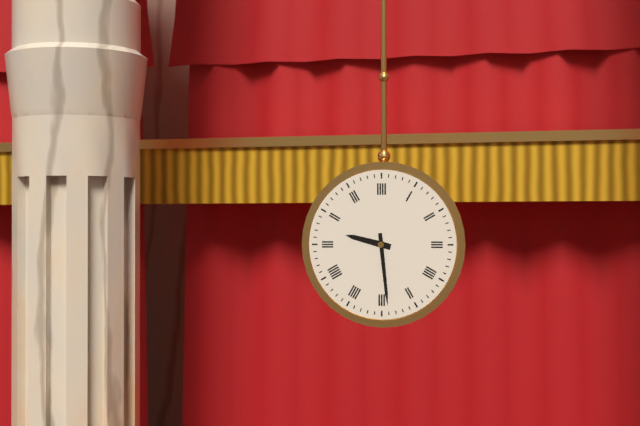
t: h=9 m=29
